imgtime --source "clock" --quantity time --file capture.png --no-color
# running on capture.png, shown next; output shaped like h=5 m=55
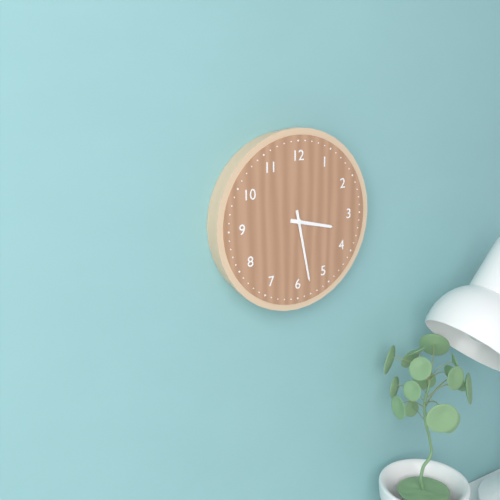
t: h=3 m=28
